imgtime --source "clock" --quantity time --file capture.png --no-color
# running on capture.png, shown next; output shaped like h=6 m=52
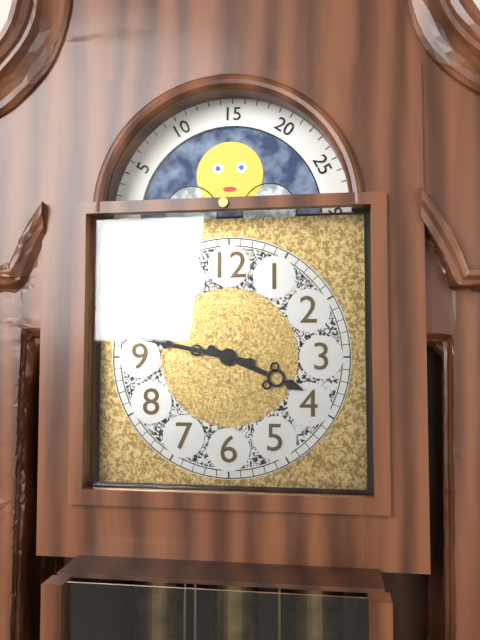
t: h=3 m=47
